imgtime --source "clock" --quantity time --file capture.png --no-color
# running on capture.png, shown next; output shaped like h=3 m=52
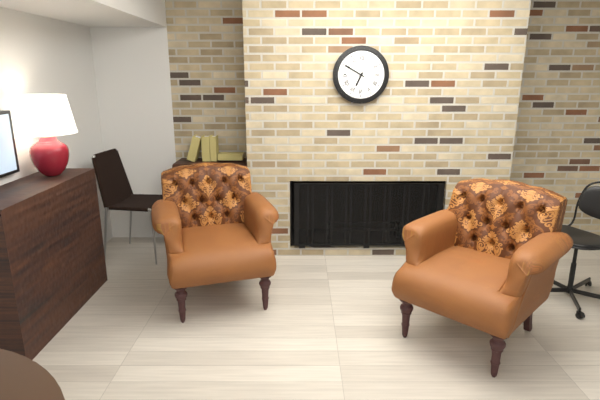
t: h=6 m=50
